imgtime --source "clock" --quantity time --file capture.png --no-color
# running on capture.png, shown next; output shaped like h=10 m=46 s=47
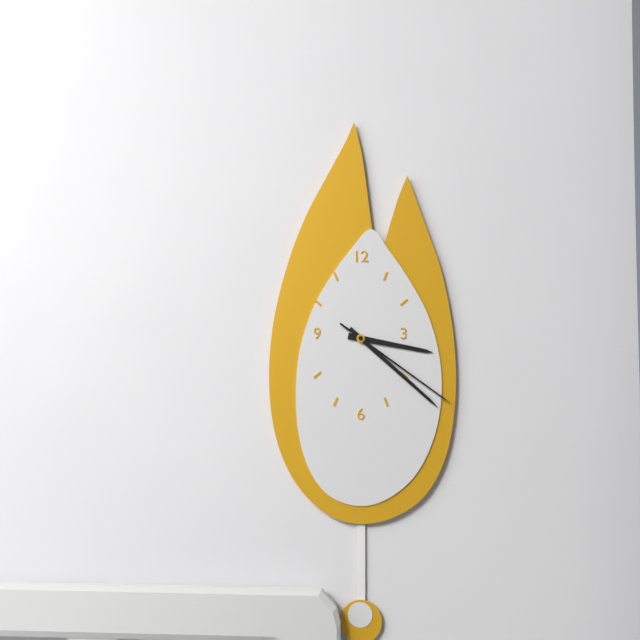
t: h=3 m=22 s=21
